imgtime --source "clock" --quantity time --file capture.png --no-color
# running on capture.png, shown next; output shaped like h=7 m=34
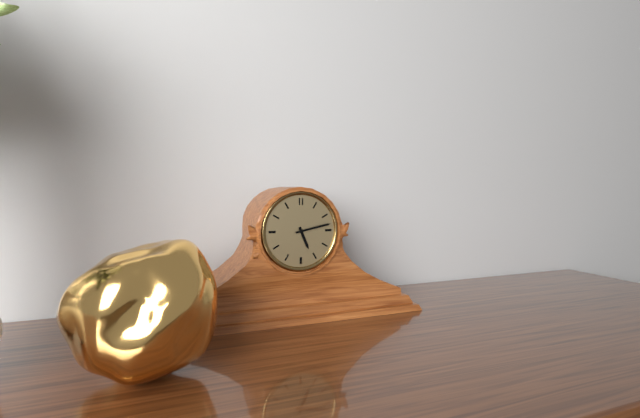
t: h=5 m=13
